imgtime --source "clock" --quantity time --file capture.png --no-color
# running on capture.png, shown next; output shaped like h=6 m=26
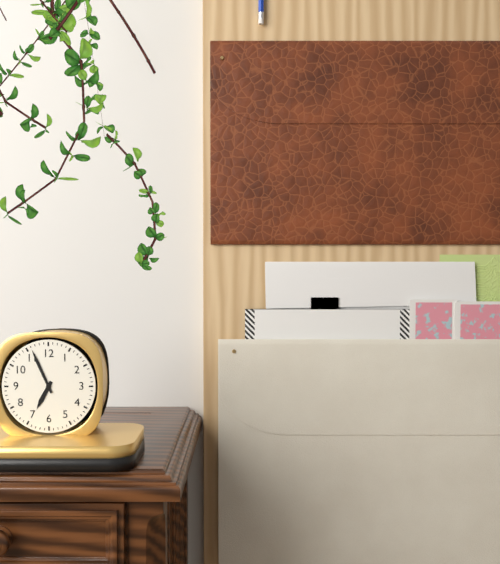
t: h=6 m=56
